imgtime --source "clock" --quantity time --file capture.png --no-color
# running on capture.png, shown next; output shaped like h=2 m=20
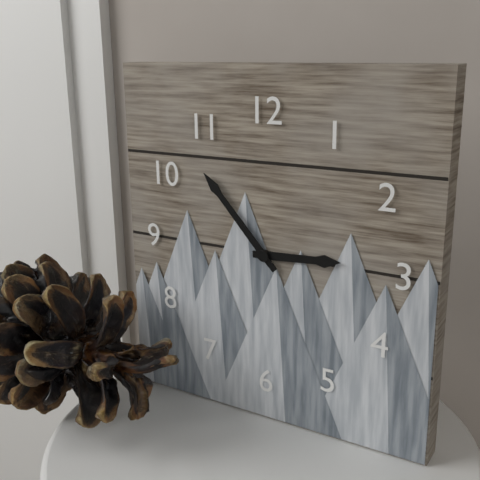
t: h=2 m=53
